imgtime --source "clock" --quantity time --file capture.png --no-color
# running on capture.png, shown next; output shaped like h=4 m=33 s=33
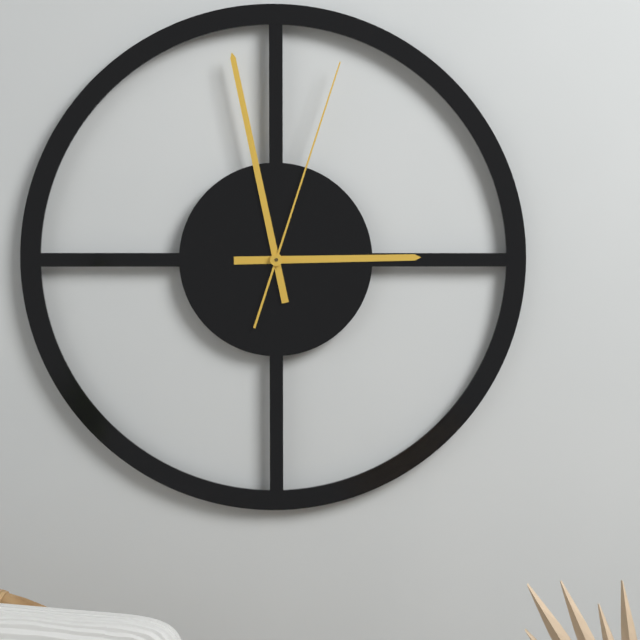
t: h=2 m=58 s=3
